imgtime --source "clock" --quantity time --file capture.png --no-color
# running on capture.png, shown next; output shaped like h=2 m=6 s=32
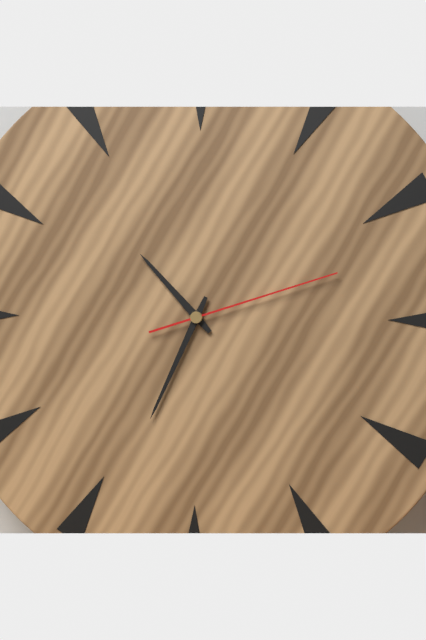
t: h=10 m=34 s=12
